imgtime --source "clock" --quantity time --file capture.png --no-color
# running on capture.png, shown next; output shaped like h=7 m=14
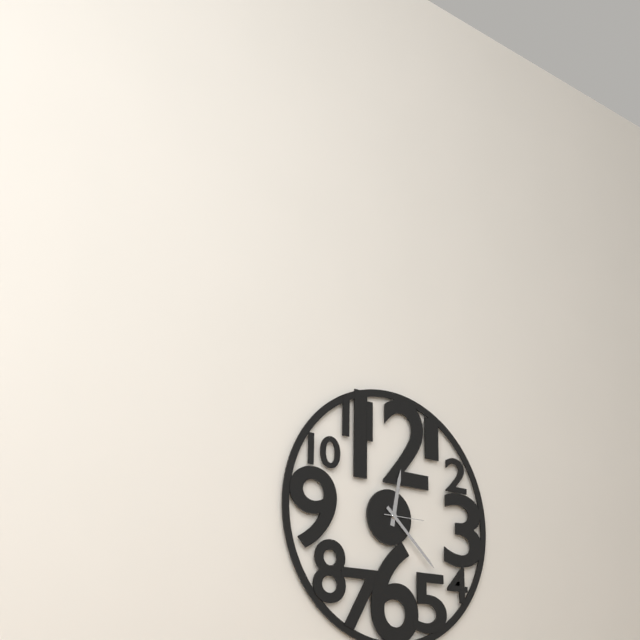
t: h=12 m=22
